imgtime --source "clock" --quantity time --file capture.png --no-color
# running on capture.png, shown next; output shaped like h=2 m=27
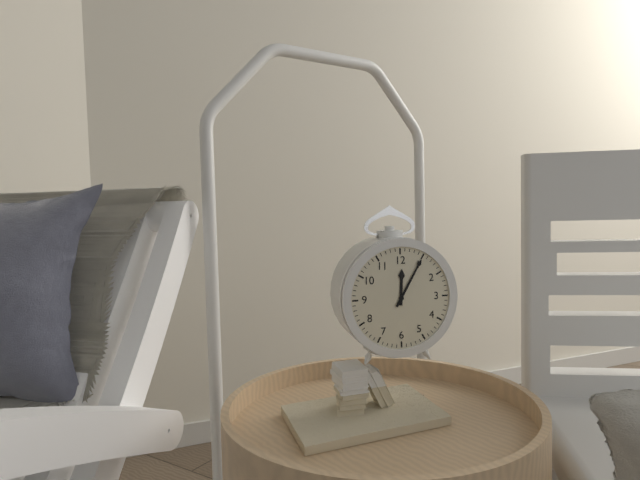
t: h=12 m=5
